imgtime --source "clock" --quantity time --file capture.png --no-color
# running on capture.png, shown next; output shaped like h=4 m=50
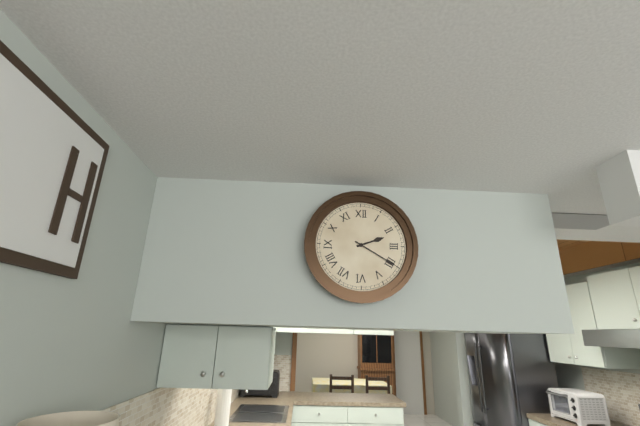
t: h=2 m=20
